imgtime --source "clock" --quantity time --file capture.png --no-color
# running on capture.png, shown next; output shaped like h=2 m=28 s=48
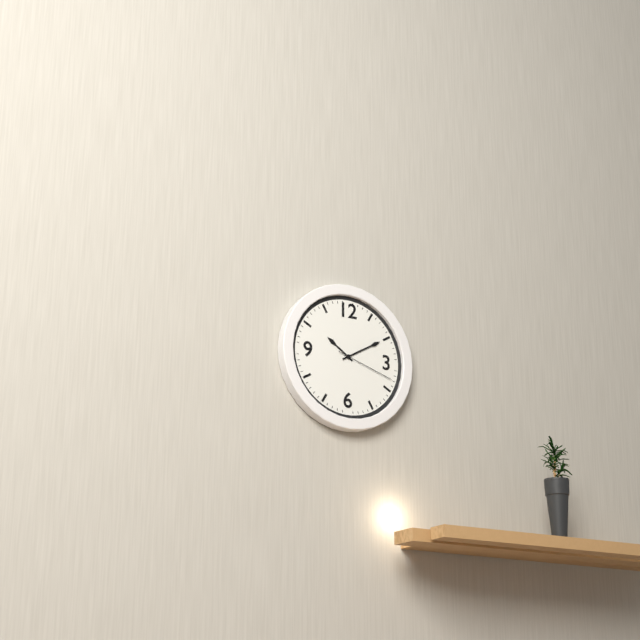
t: h=10 m=10 s=18
